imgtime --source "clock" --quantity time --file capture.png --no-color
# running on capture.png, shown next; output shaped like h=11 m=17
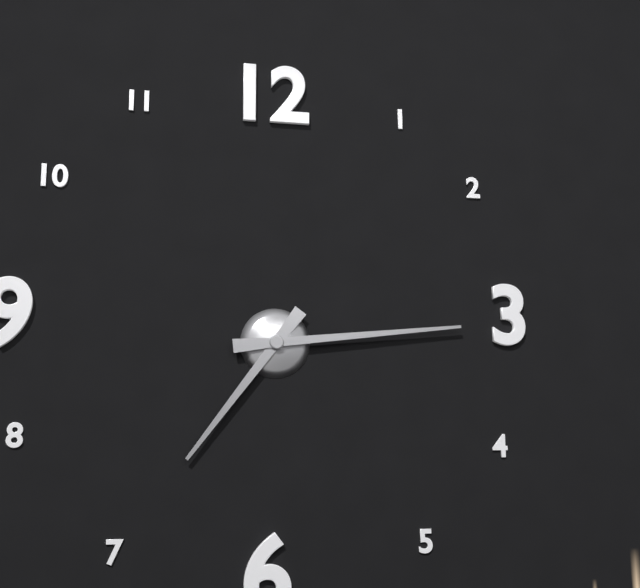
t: h=7 m=14
